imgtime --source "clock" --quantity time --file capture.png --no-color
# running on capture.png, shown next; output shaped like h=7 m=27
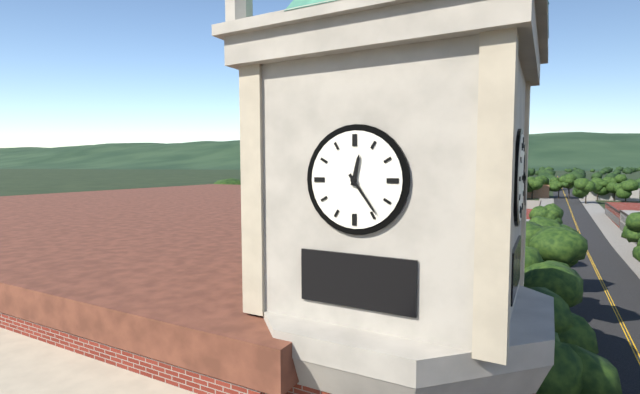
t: h=12 m=24
